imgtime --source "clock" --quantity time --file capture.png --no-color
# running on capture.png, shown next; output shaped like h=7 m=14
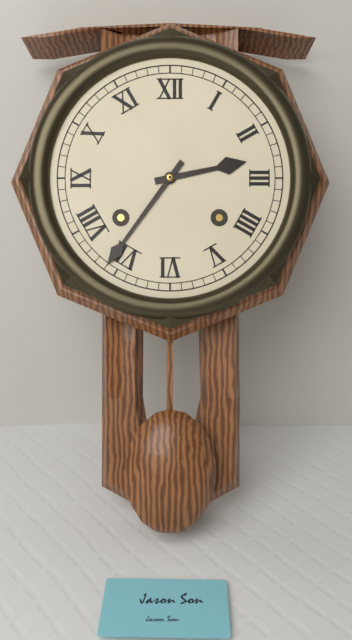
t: h=2 m=36
